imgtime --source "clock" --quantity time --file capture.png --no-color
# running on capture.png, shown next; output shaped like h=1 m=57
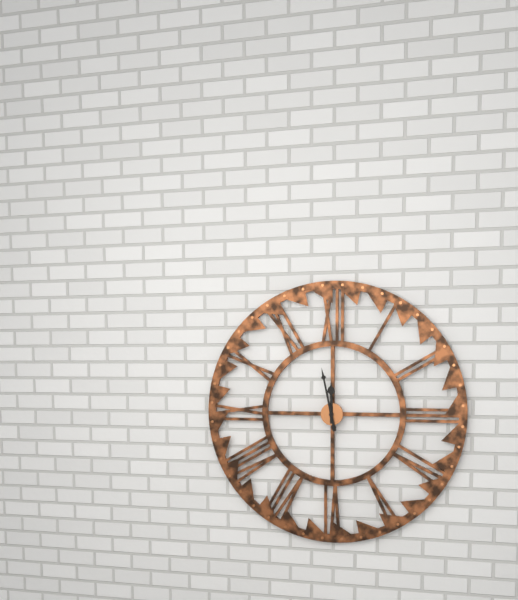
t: h=11 m=58
